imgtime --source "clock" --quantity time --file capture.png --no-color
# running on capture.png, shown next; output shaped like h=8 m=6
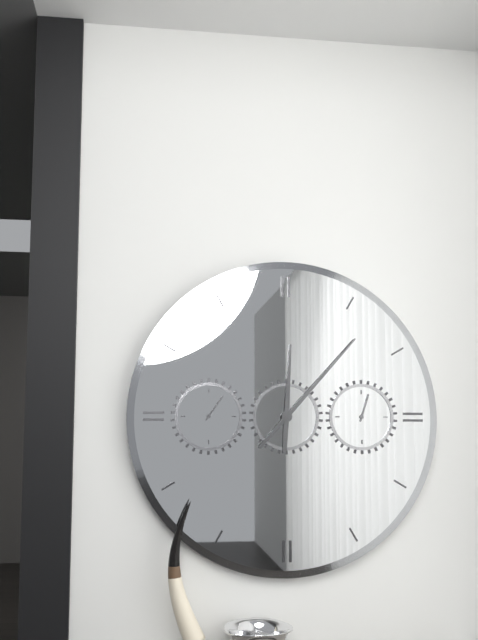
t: h=12 m=7
